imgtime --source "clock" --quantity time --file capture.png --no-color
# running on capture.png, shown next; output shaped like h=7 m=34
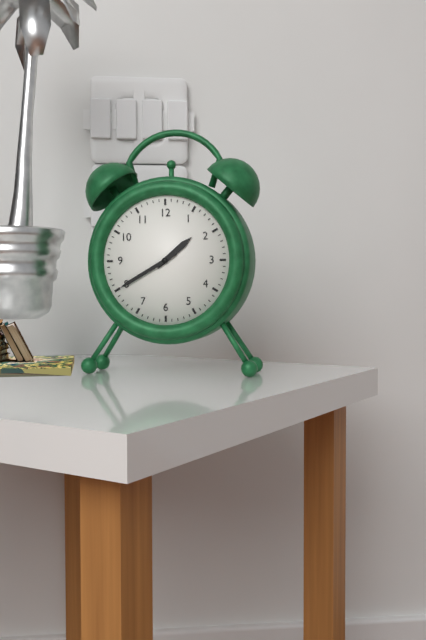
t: h=1 m=40
